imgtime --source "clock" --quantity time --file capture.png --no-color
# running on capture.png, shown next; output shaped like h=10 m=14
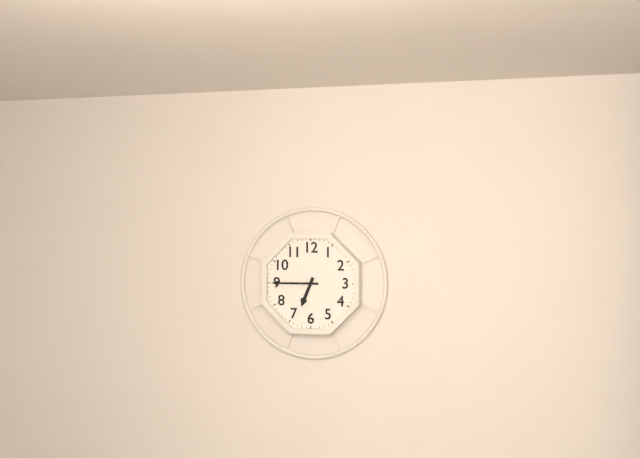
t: h=6 m=45
